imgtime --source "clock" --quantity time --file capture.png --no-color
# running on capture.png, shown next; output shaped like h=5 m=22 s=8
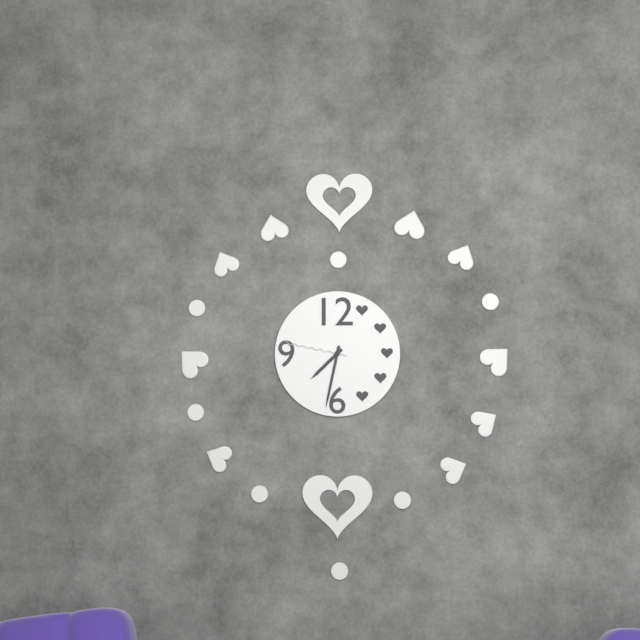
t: h=7 m=32 s=47
